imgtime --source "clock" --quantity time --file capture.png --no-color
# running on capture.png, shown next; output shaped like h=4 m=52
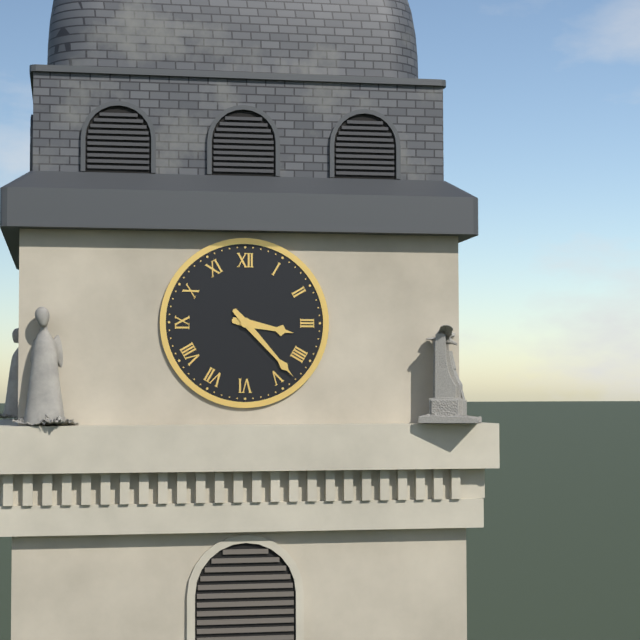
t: h=3 m=23
